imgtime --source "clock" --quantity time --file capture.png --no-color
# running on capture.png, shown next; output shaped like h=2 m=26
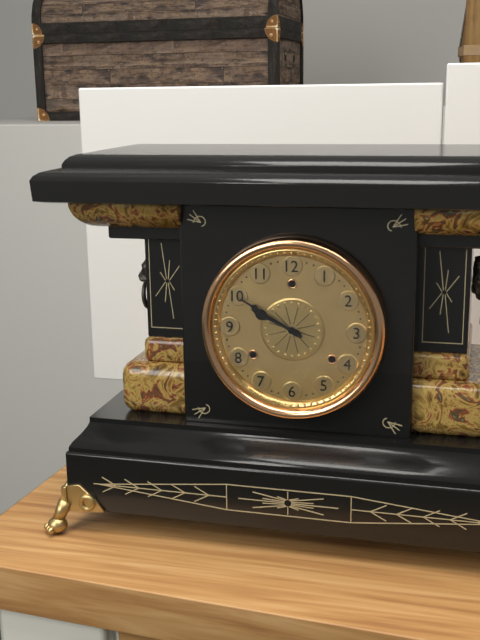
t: h=9 m=50
